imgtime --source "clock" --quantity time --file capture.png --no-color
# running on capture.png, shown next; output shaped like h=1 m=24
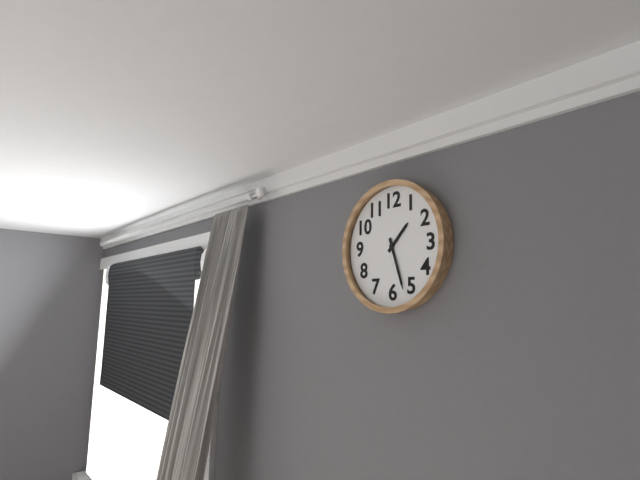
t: h=1 m=27
